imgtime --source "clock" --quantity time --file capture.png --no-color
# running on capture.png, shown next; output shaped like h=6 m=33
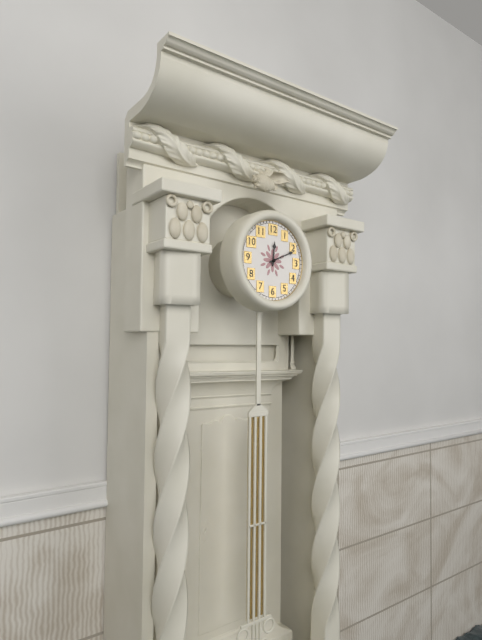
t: h=12 m=11
